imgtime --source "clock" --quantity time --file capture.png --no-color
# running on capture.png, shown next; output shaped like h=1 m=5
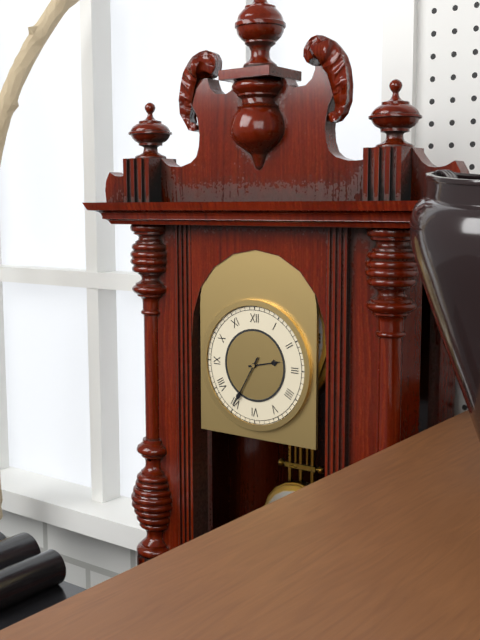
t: h=2 m=35
